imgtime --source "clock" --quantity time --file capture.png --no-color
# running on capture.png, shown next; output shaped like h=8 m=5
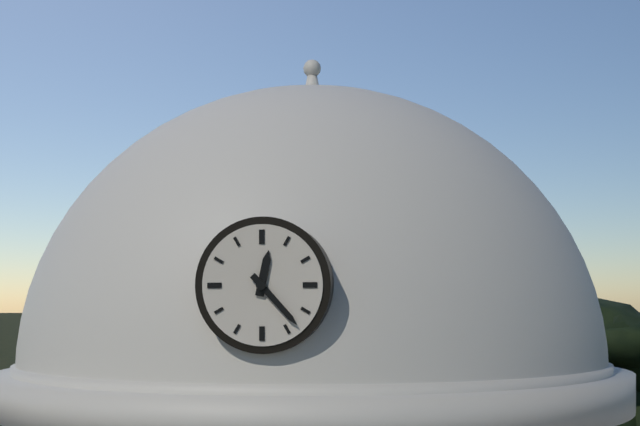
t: h=12 m=23
